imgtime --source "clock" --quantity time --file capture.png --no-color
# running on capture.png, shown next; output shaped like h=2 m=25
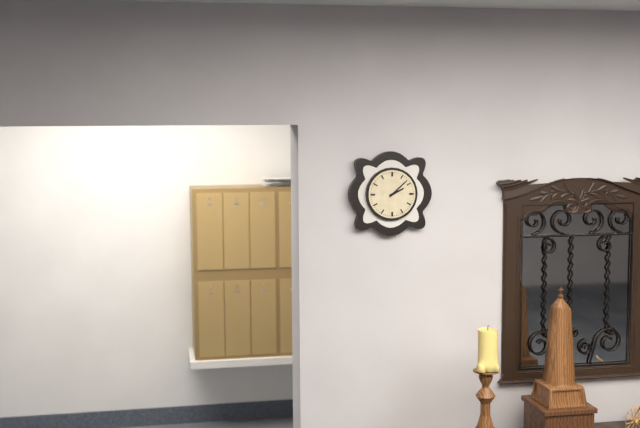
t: h=2 m=8
